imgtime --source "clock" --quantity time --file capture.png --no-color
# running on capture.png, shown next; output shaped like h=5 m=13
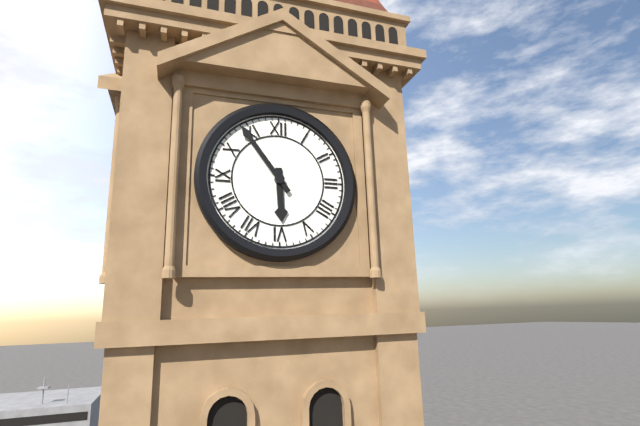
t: h=5 m=54
